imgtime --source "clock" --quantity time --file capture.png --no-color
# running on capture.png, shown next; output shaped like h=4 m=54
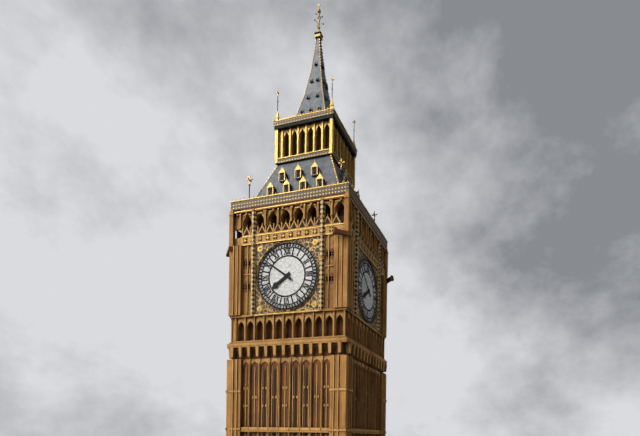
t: h=7 m=51
